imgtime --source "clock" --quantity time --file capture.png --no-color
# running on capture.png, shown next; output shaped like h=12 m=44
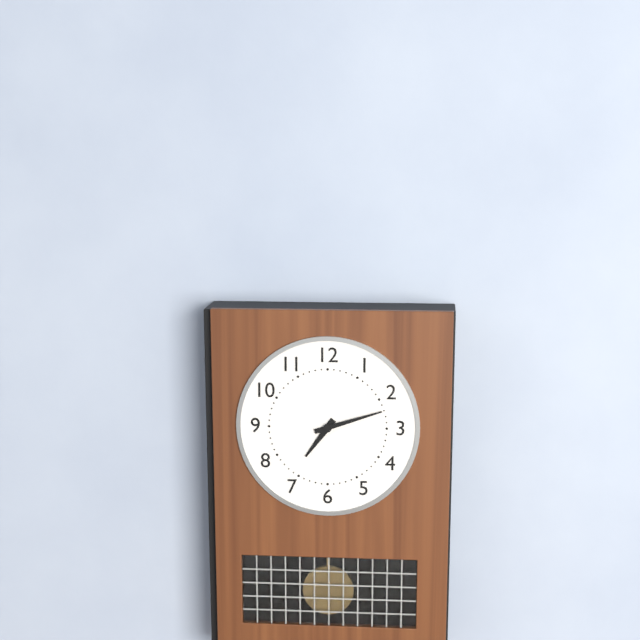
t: h=7 m=12
